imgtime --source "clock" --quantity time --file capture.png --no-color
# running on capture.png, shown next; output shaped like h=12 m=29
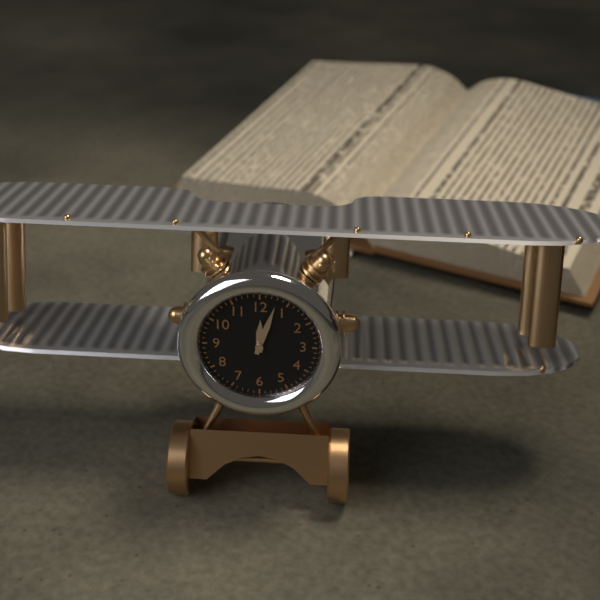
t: h=12 m=3
